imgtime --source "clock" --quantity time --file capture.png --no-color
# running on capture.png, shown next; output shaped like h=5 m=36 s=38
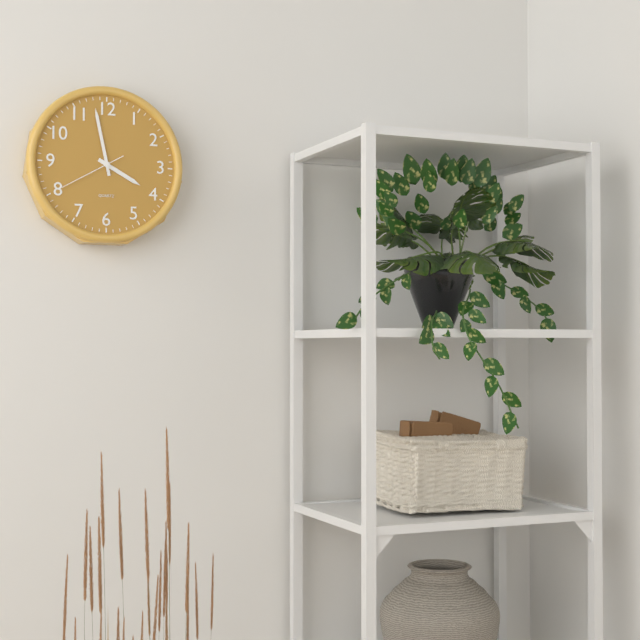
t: h=3 m=58 s=40
